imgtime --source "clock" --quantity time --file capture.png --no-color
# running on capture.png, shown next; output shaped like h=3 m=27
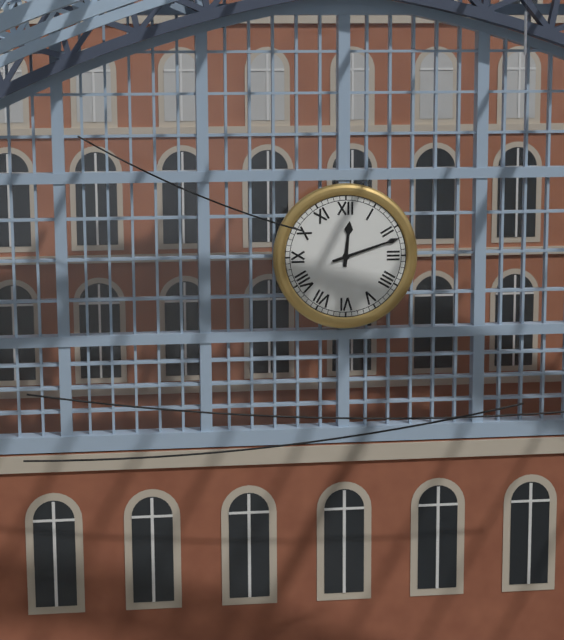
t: h=12 m=12
